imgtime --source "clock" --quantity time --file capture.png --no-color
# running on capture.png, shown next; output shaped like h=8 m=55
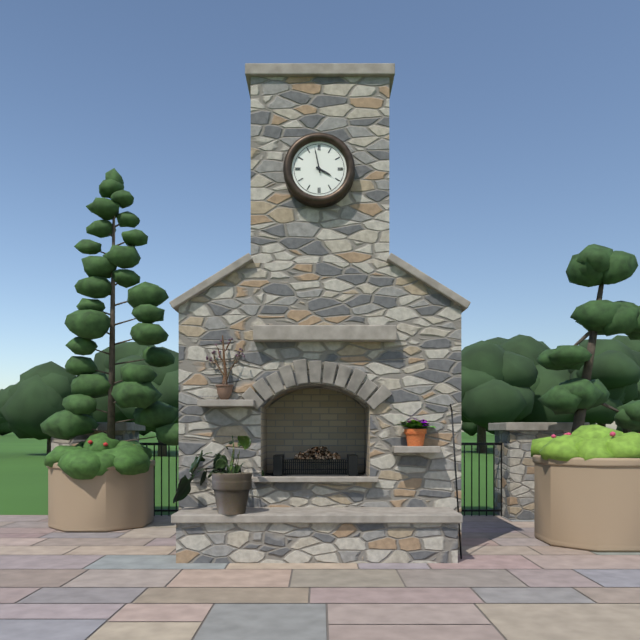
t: h=3 m=58
